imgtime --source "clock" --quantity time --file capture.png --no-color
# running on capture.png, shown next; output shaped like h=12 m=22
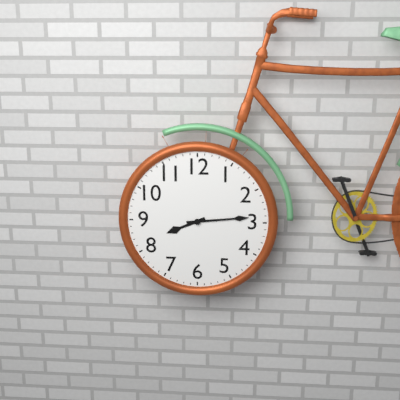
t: h=8 m=14
